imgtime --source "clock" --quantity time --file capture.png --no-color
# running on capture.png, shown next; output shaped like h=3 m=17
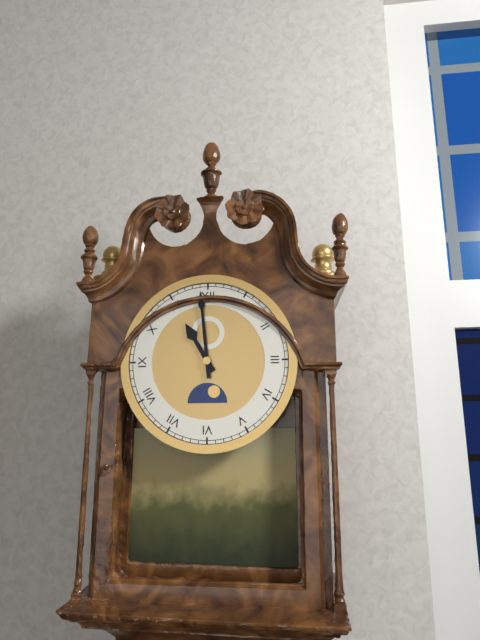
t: h=10 m=59
